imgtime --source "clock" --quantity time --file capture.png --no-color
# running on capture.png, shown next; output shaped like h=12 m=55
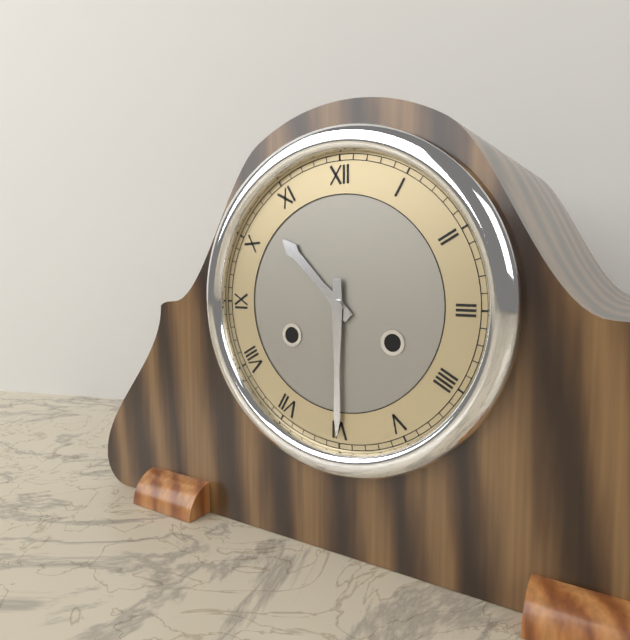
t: h=10 m=30
